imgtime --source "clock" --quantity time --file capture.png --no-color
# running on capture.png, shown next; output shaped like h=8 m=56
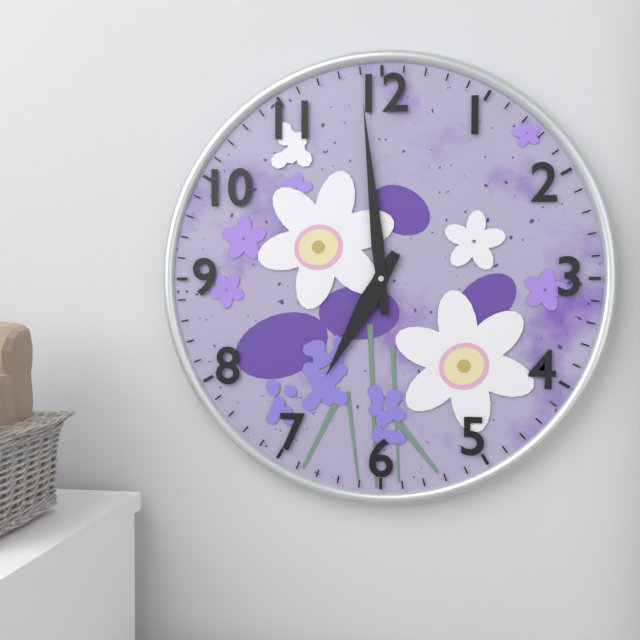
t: h=6 m=59
